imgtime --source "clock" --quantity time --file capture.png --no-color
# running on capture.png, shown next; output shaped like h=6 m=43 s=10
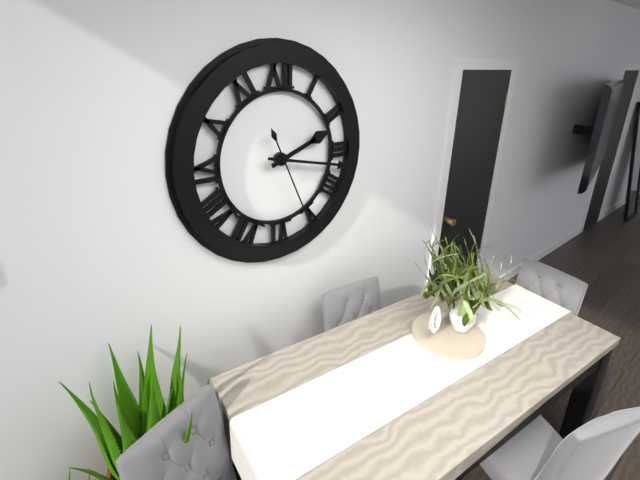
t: h=2 m=17 s=26
